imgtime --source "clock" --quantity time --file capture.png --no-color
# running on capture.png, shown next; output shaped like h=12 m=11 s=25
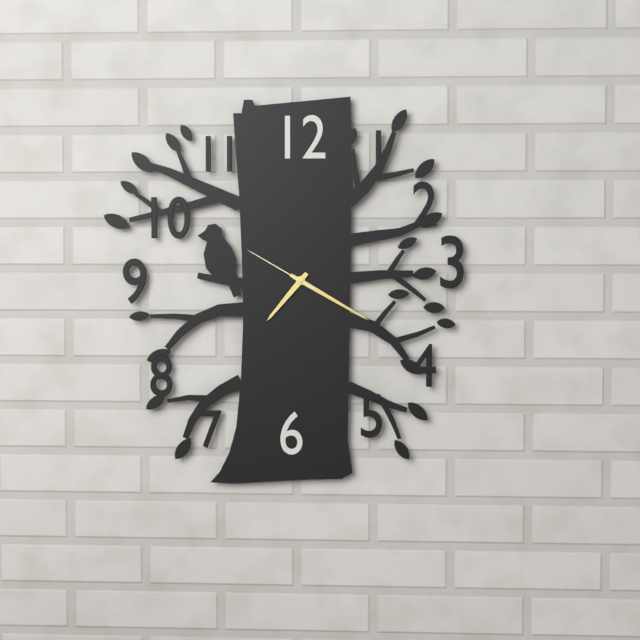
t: h=7 m=20 s=50
